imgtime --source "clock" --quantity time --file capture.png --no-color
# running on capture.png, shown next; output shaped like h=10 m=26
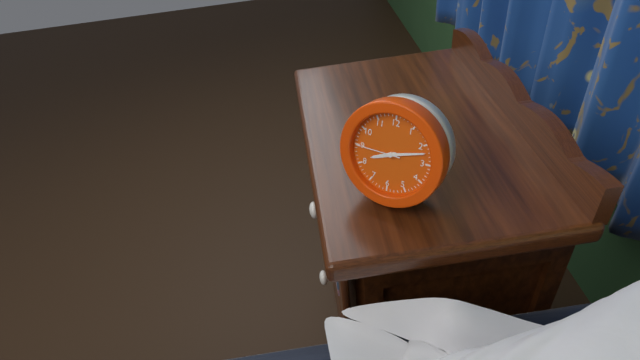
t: h=8 m=12
